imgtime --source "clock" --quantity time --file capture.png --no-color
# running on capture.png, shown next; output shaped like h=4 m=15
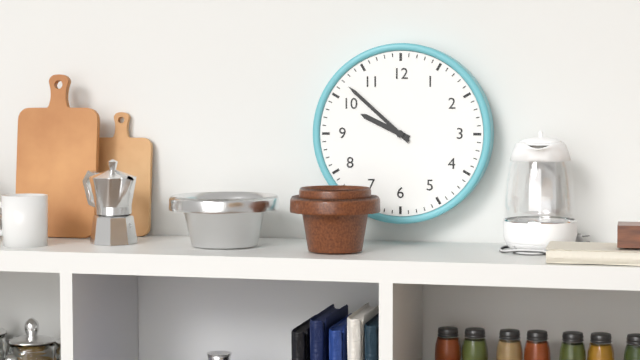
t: h=9 m=52
